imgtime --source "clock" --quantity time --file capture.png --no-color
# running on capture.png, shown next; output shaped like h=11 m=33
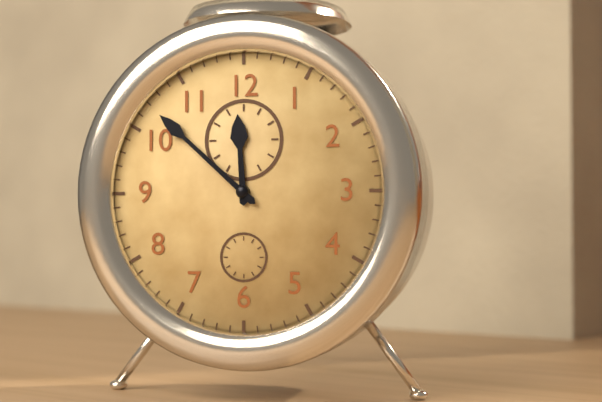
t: h=11 m=52
